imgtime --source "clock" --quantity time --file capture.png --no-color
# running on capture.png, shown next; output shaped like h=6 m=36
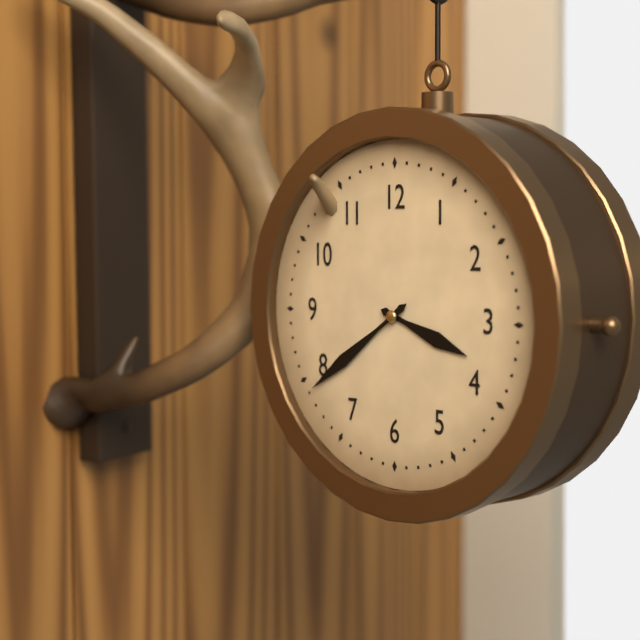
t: h=3 m=39
